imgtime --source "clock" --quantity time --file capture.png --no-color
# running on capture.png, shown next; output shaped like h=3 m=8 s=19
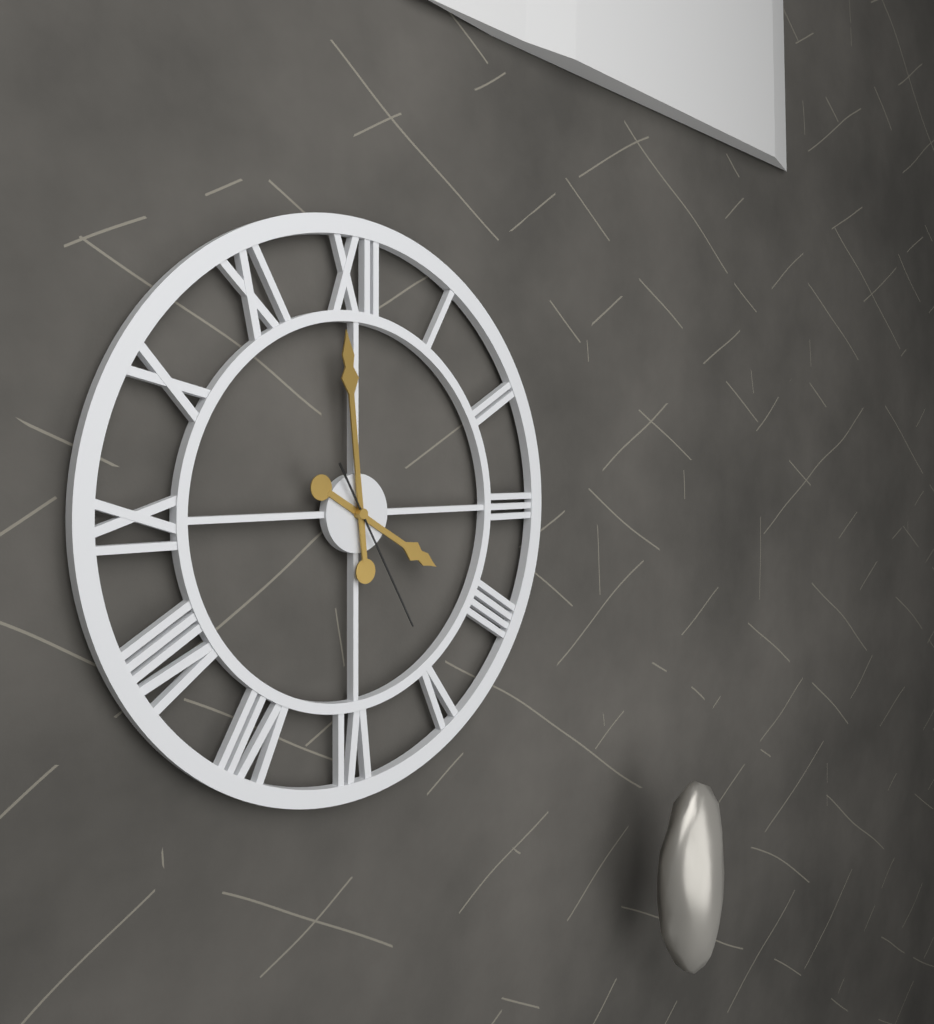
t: h=3 m=59 s=25
